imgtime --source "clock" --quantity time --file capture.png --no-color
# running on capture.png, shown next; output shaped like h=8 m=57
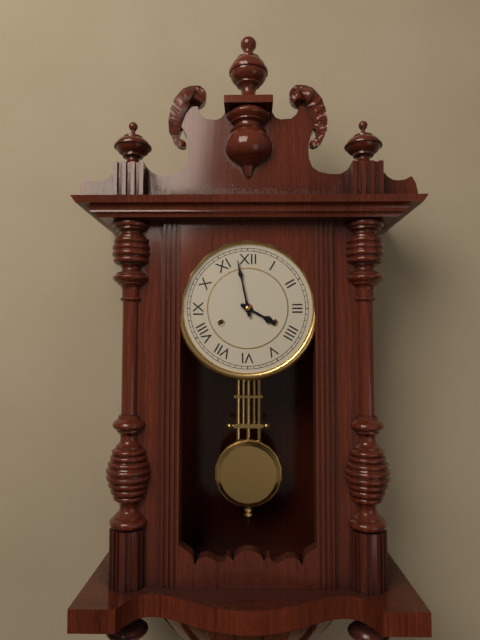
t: h=3 m=58
